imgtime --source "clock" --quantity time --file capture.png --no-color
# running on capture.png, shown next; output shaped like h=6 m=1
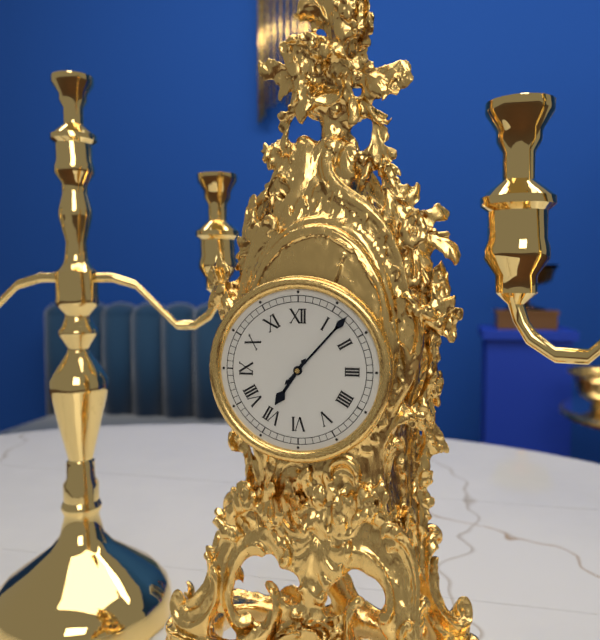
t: h=7 m=7
